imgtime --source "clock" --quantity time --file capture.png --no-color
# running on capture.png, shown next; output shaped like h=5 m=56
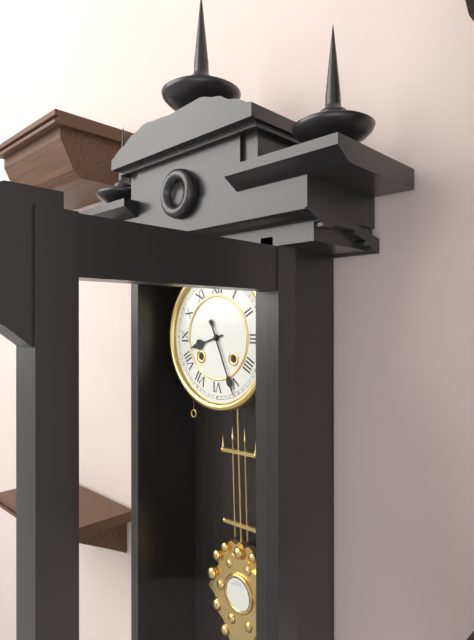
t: h=8 m=26
